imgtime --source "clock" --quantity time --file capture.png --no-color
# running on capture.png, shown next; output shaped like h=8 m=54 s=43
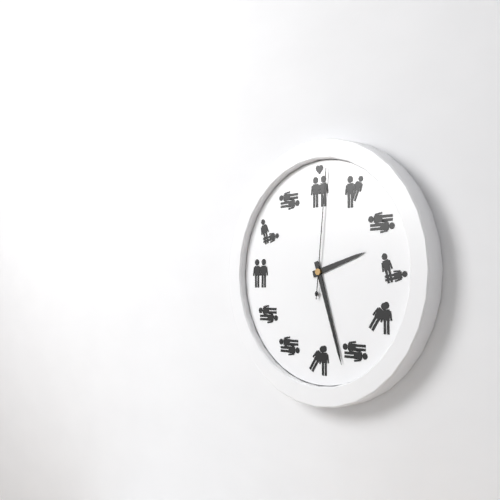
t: h=2 m=27 s=1
